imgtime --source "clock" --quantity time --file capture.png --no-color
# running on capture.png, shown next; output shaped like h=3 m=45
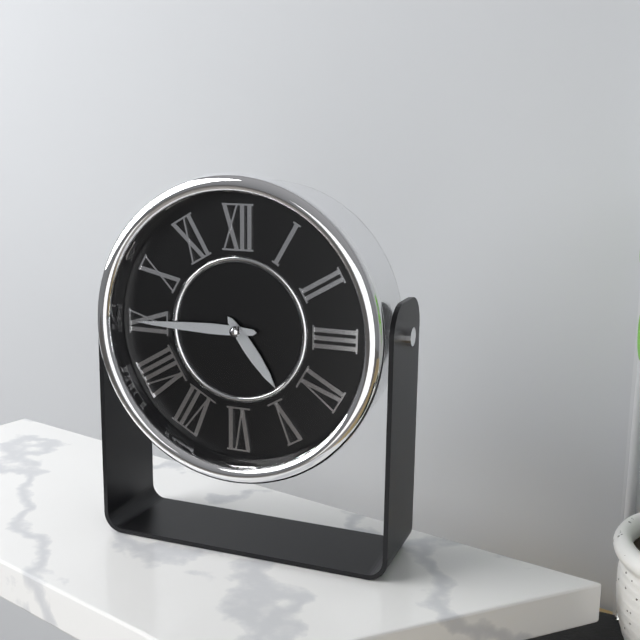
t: h=4 m=45
